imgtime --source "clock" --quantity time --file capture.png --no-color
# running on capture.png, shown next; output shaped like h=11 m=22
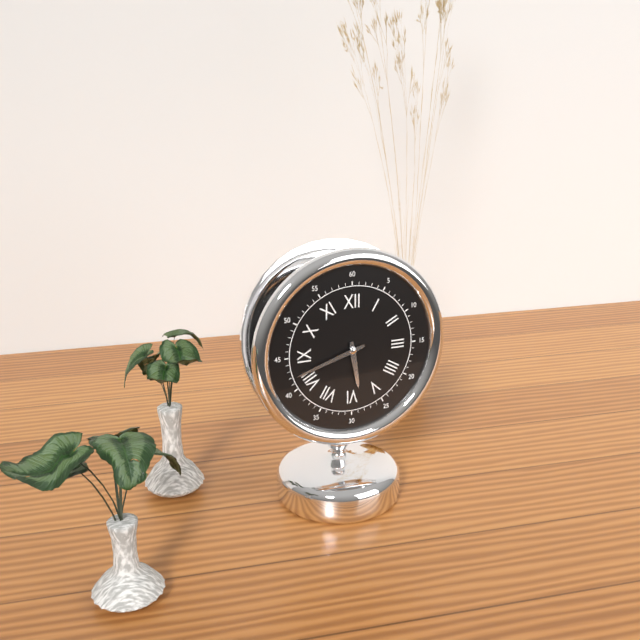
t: h=5 m=42
